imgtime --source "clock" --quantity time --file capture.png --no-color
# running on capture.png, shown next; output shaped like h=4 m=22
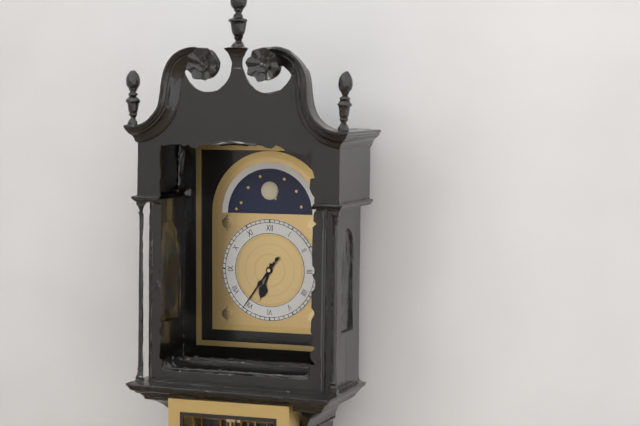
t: h=6 m=36
